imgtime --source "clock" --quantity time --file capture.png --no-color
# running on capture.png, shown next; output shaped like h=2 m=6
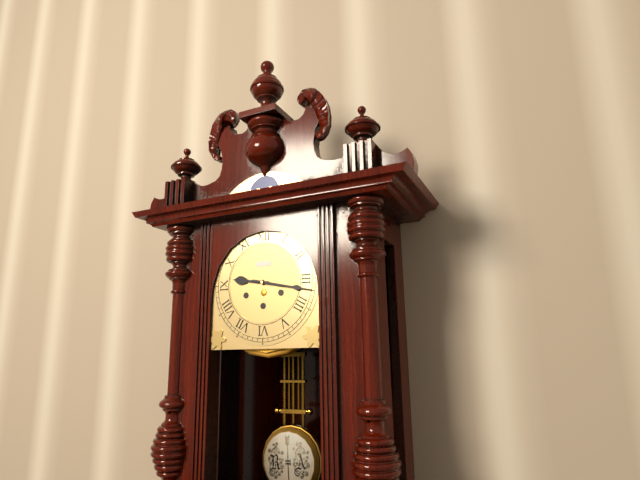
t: h=9 m=17
